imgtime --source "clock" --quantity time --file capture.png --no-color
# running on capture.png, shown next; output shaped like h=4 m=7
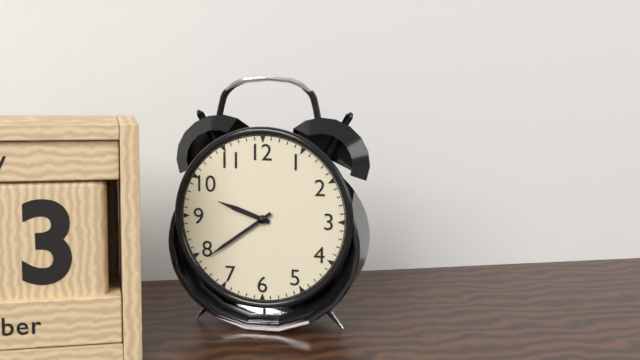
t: h=9 m=39
